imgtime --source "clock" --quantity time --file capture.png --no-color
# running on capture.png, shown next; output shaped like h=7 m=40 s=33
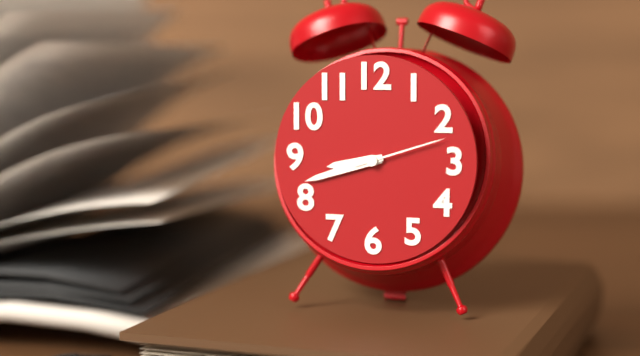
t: h=8 m=42 s=12
